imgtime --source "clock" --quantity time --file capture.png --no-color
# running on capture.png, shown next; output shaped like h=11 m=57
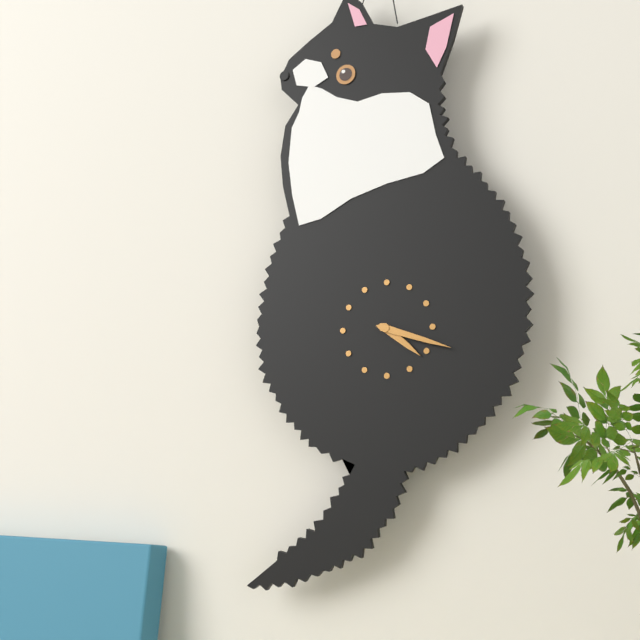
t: h=4 m=18
